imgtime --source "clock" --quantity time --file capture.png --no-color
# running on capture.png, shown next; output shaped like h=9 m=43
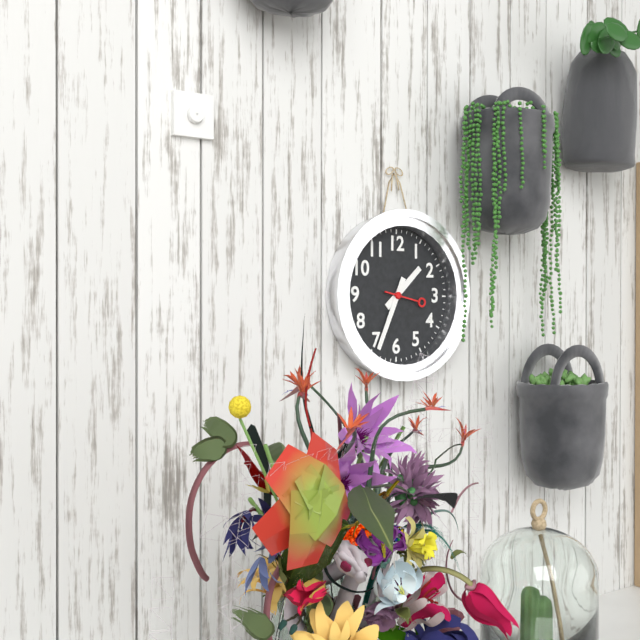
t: h=1 m=34
